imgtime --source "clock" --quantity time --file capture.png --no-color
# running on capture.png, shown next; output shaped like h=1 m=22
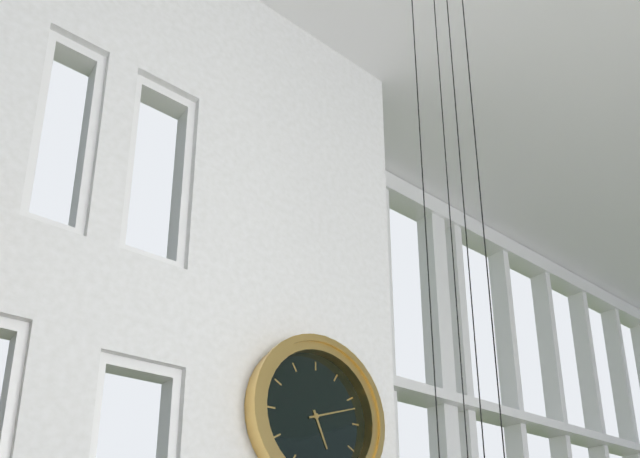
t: h=5 m=12
